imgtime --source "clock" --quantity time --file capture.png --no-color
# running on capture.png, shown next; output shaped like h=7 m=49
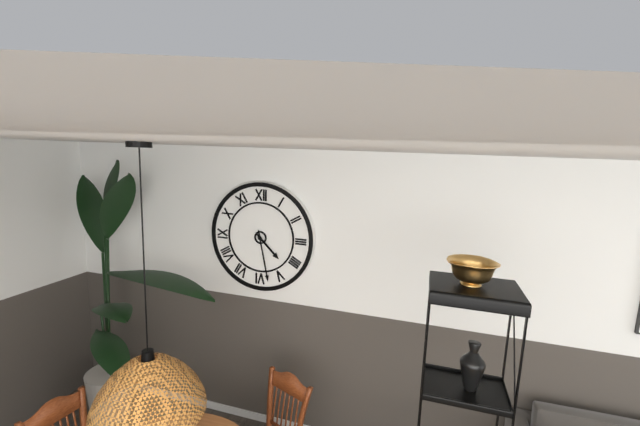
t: h=4 m=28
